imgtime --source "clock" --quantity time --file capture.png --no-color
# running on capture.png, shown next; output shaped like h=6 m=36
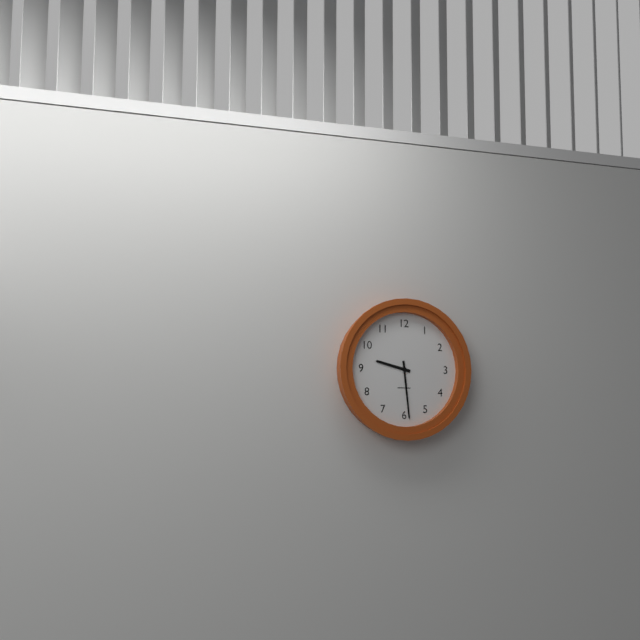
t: h=9 m=29
